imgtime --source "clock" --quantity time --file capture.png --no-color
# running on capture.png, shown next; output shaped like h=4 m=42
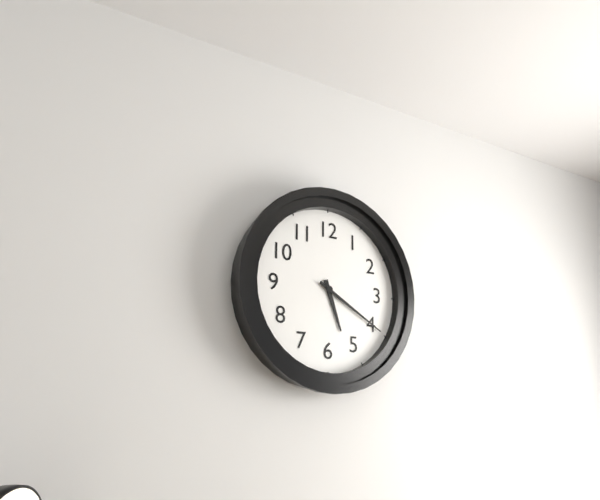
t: h=5 m=20
